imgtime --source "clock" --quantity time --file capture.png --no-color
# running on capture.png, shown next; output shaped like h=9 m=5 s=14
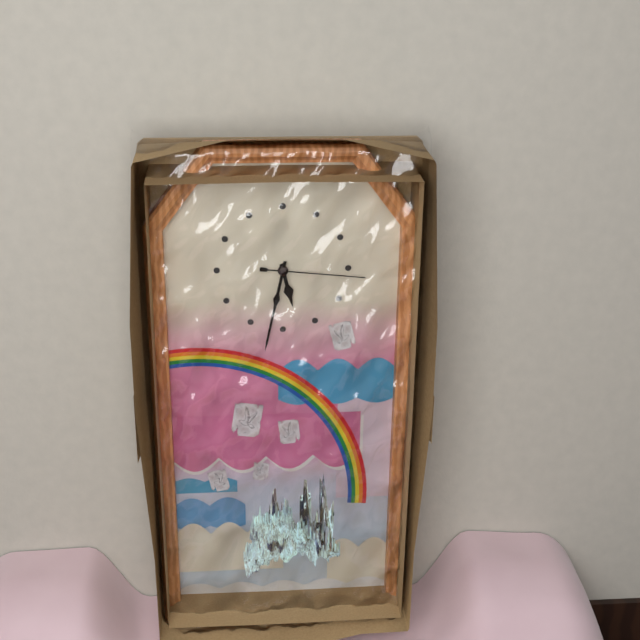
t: h=5 m=32 s=16
